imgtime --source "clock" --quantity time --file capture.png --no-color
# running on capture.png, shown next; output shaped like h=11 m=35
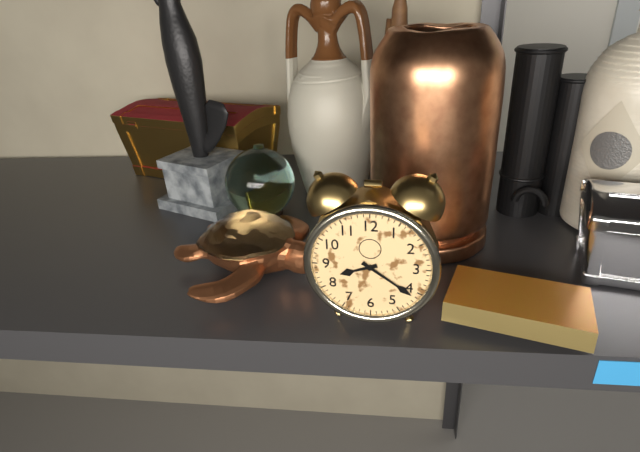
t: h=8 m=21
